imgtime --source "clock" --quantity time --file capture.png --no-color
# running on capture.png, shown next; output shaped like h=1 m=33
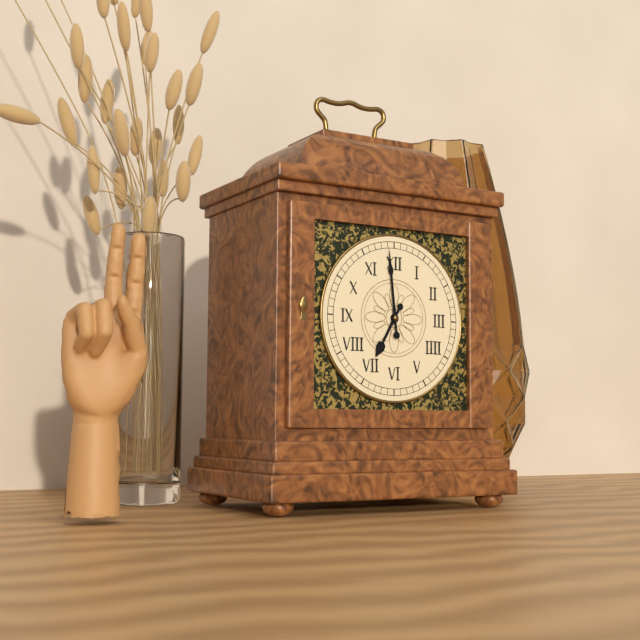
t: h=6 m=59
